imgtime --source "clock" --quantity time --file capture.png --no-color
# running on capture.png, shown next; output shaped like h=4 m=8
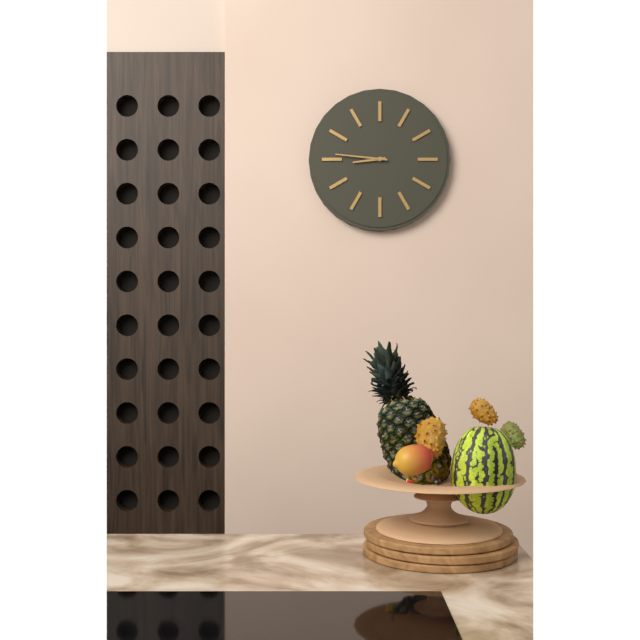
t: h=8 m=46
